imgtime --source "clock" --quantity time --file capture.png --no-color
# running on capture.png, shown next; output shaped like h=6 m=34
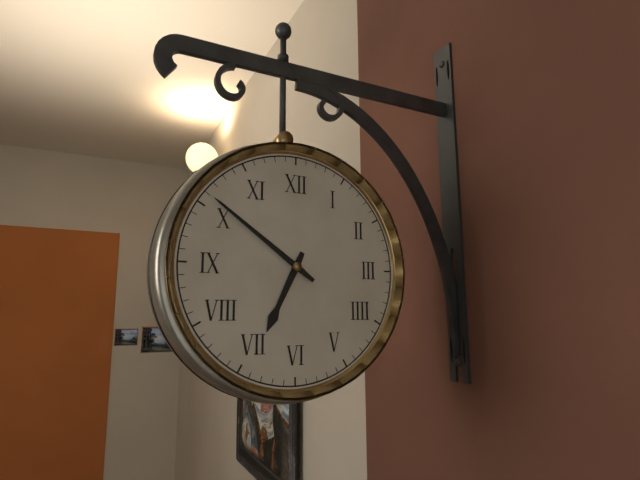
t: h=6 m=51
